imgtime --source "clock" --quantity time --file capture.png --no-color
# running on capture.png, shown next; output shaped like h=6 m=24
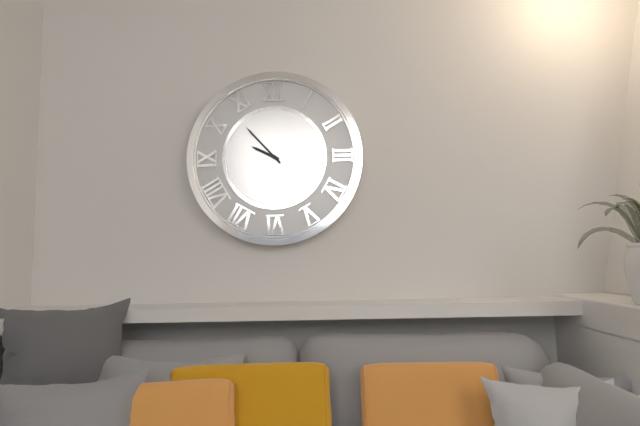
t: h=9 m=53
